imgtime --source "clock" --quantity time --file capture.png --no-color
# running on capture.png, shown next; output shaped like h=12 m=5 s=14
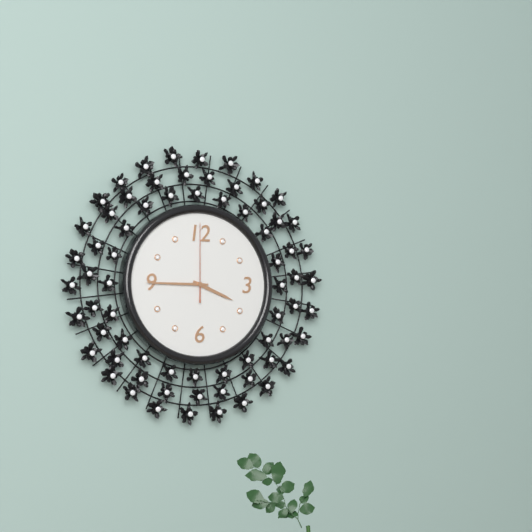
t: h=3 m=45 s=0
